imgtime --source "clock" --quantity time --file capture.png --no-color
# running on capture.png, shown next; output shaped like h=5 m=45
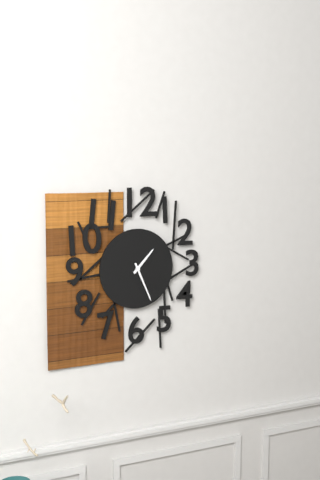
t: h=1 m=26
